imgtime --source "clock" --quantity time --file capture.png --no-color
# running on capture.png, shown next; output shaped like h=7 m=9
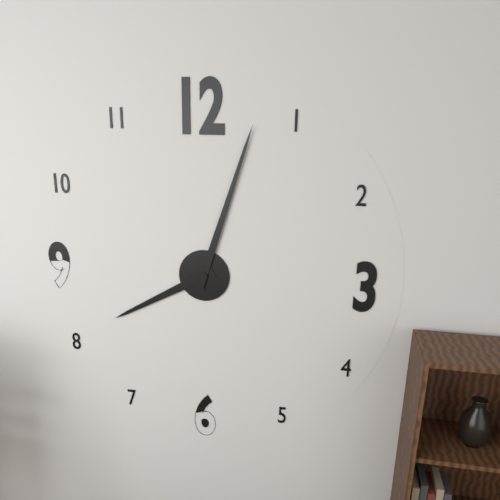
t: h=8 m=3
